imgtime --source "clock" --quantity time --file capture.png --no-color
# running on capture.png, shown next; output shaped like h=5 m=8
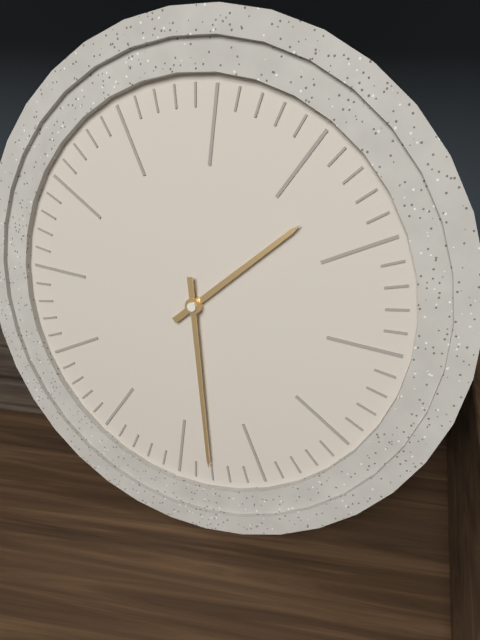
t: h=1 m=28
